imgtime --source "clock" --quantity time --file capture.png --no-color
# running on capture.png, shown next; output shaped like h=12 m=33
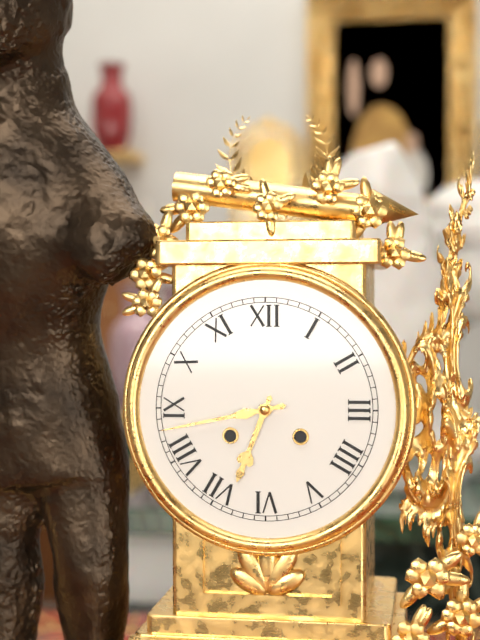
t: h=6 m=43
